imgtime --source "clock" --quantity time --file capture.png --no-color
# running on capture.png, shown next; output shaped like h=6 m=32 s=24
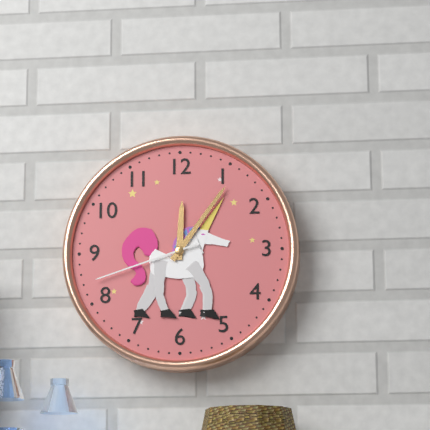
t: h=12 m=6 s=42
